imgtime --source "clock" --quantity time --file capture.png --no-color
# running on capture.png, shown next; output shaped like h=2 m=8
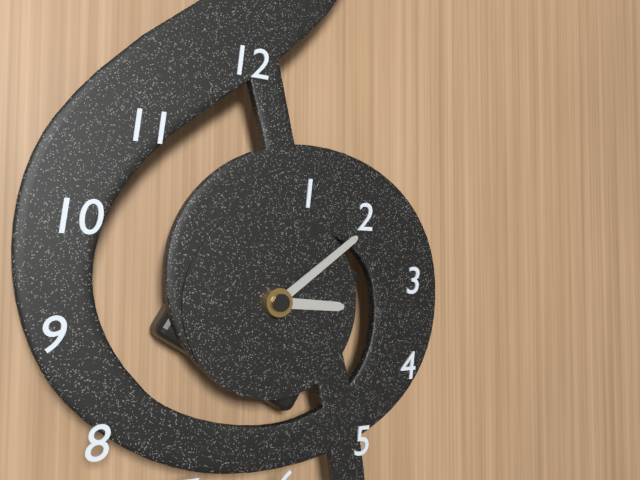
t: h=3 m=9
